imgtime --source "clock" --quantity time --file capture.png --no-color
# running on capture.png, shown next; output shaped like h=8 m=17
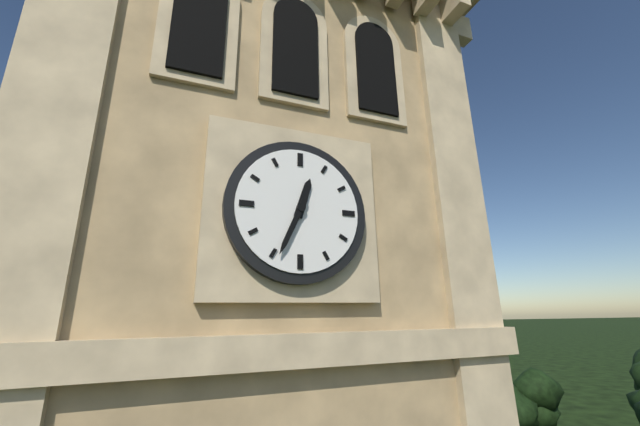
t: h=12 m=34
